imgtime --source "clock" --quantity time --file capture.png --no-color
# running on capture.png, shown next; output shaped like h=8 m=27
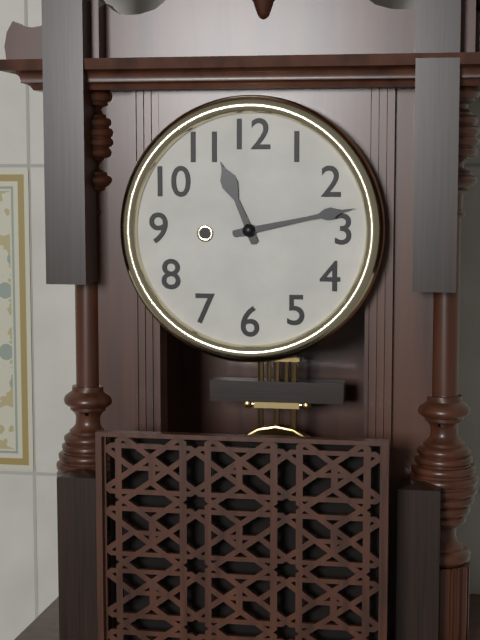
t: h=11 m=13
